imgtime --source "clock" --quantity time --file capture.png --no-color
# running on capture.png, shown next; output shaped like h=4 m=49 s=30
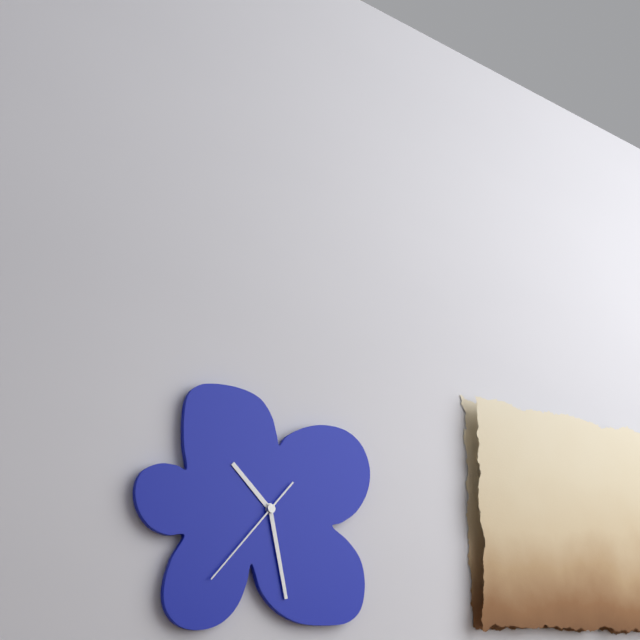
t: h=10 m=28 s=37
